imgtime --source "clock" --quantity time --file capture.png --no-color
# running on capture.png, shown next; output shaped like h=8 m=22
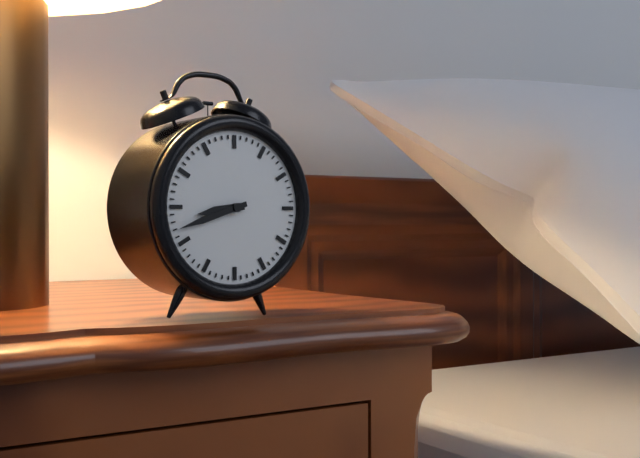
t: h=8 m=42
